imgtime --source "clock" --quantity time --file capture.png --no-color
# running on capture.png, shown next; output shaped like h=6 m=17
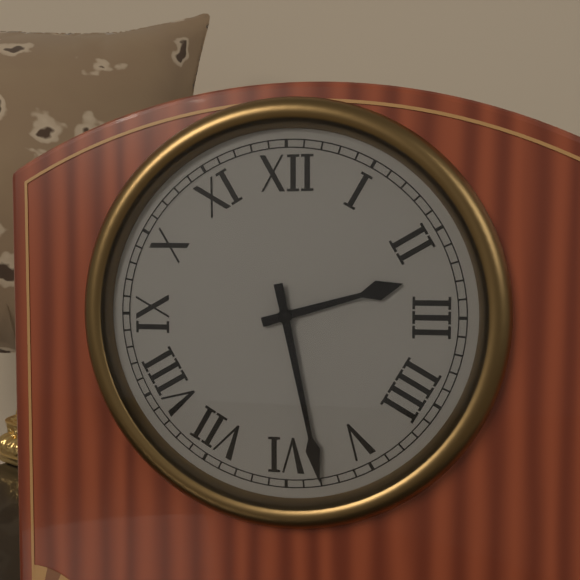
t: h=2 m=28
